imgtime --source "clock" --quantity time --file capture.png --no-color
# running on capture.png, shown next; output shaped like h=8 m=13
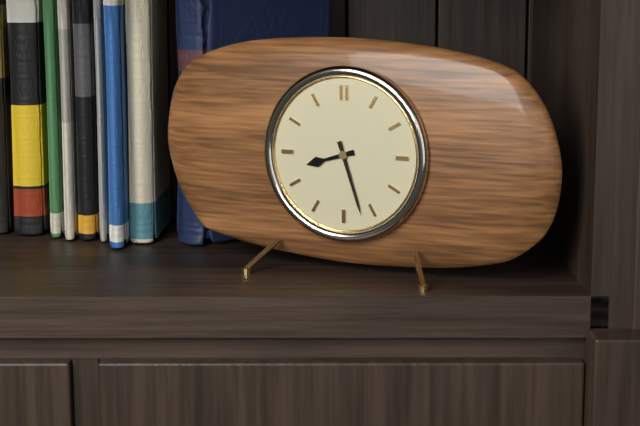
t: h=8 m=27
